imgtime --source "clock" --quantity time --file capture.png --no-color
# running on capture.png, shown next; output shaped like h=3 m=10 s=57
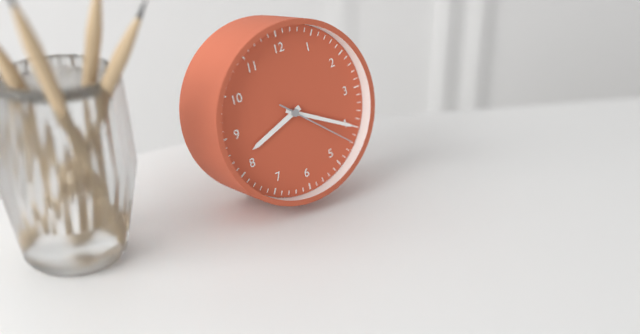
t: h=8 m=20 s=22
